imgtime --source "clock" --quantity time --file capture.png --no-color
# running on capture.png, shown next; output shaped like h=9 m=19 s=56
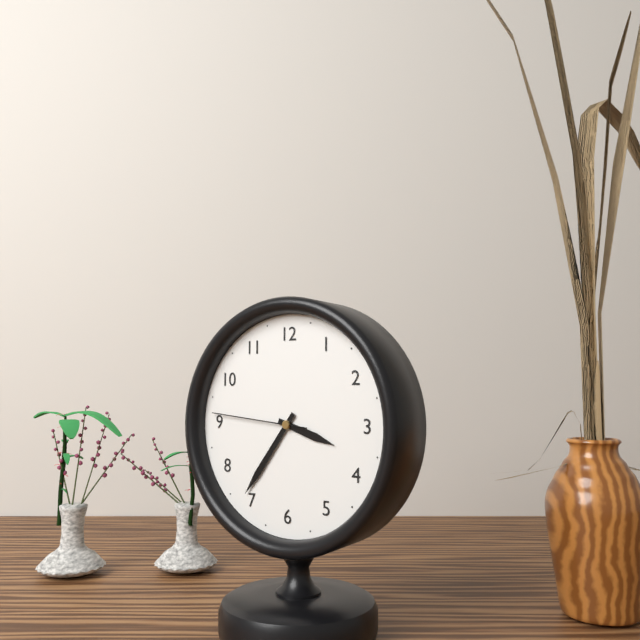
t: h=3 m=36 s=46
